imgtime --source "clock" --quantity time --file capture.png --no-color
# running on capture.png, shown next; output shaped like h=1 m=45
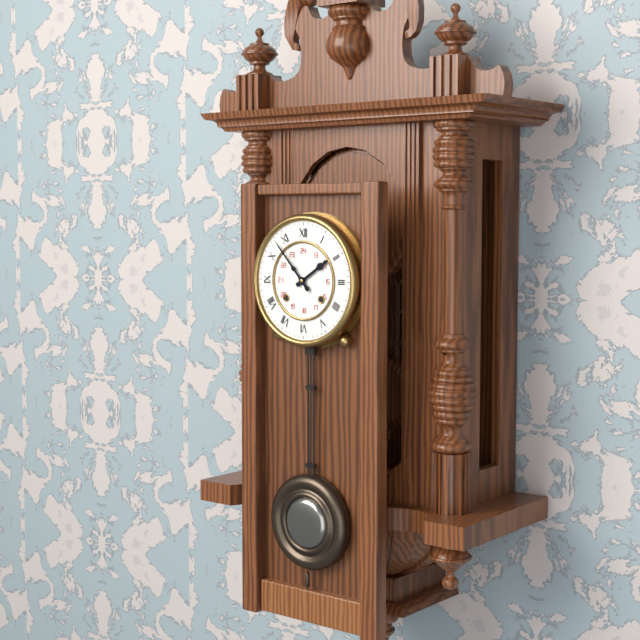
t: h=1 m=53
